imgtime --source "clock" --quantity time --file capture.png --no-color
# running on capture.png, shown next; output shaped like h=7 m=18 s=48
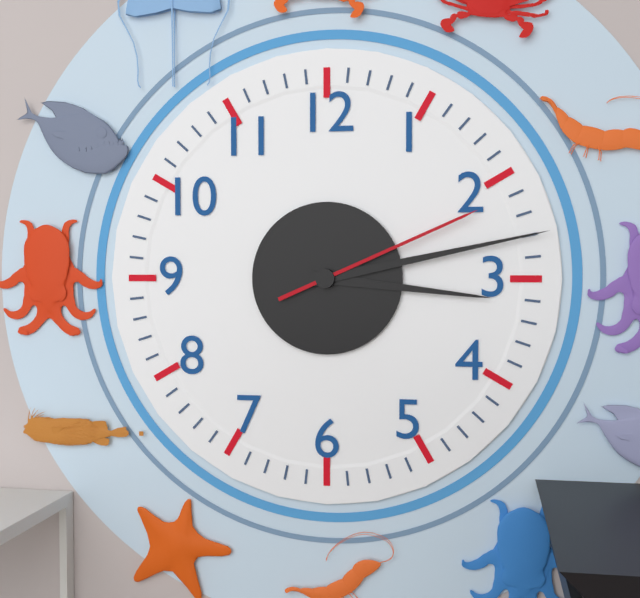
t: h=3 m=13 s=11
